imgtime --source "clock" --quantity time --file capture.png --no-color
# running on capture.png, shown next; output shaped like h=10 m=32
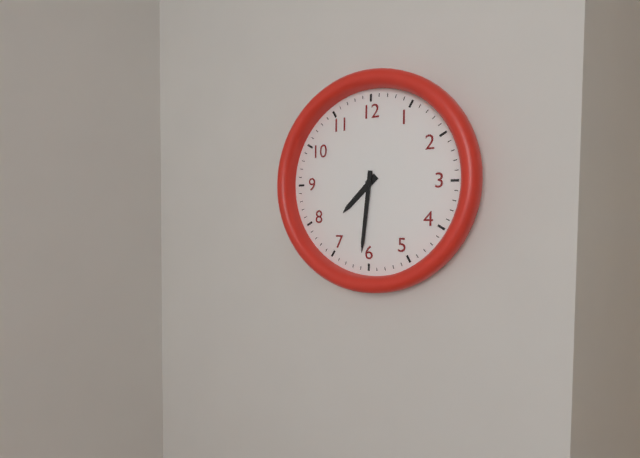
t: h=7 m=31
